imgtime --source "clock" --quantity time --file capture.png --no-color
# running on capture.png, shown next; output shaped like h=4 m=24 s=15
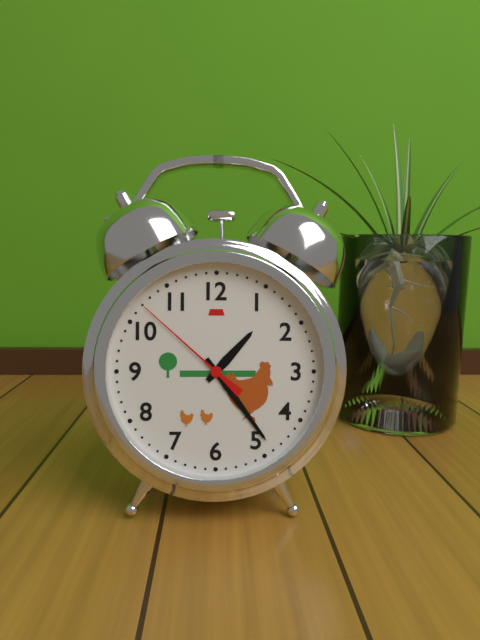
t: h=1 m=24 s=52
